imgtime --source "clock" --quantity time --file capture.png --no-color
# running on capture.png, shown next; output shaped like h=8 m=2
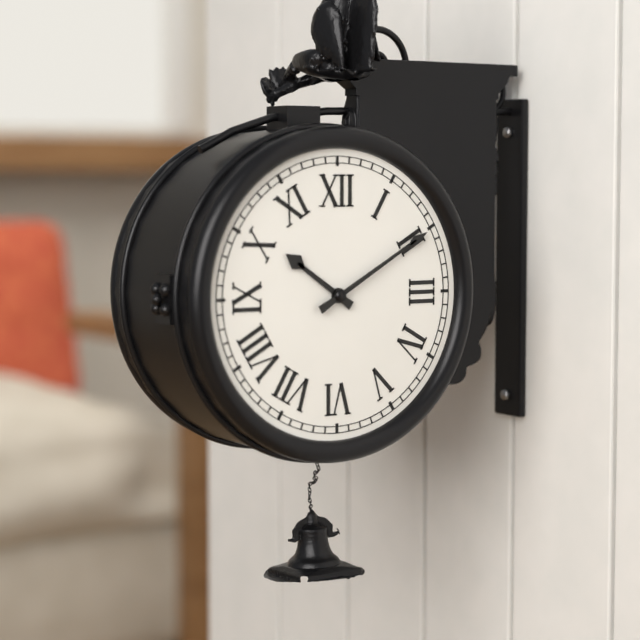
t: h=10 m=10
